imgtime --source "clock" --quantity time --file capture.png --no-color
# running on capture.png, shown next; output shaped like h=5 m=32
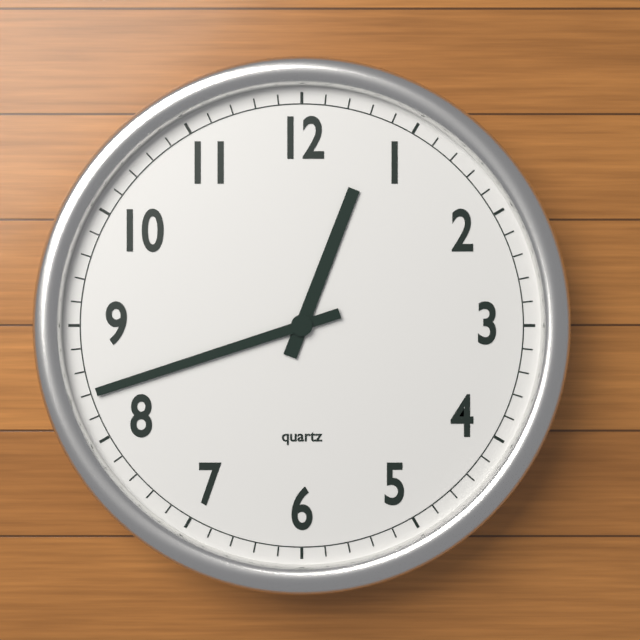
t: h=12 m=42
